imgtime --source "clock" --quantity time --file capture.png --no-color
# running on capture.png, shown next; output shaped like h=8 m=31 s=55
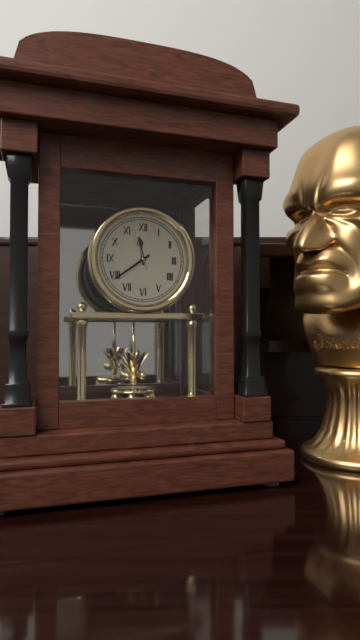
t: h=11 m=39 s=57
